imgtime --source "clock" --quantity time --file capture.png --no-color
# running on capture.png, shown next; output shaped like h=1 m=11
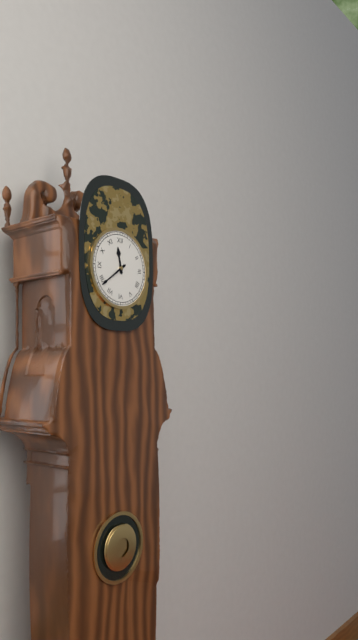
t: h=11 m=39
